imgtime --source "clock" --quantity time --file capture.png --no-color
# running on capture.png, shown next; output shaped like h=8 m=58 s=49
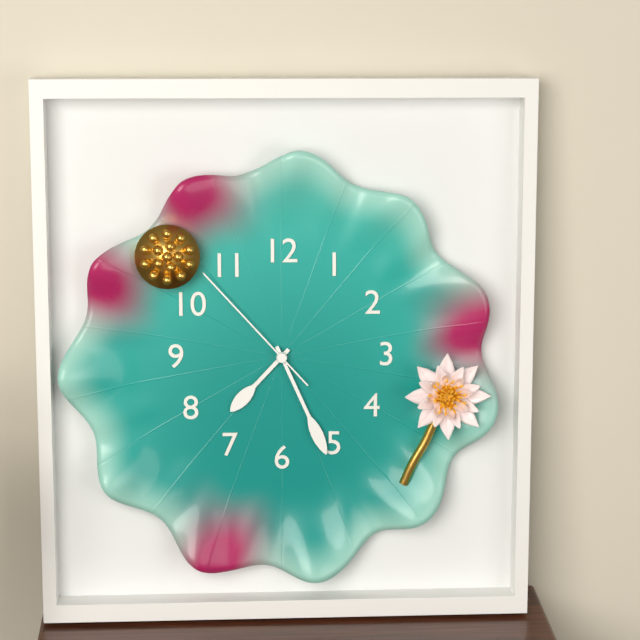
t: h=7 m=26 s=53
